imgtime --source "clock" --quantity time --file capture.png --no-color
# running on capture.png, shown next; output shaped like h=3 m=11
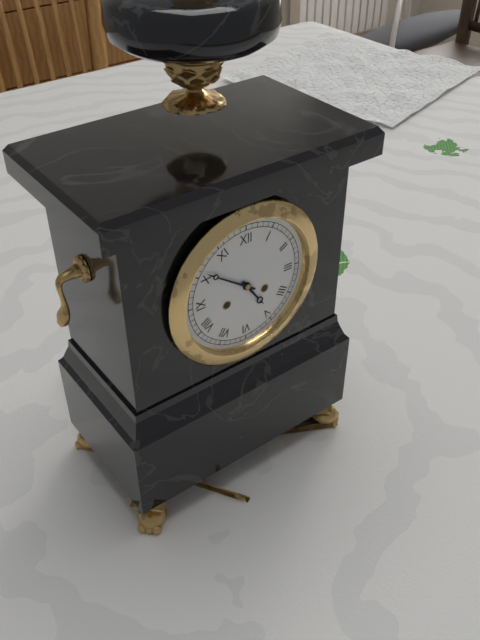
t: h=4 m=51
